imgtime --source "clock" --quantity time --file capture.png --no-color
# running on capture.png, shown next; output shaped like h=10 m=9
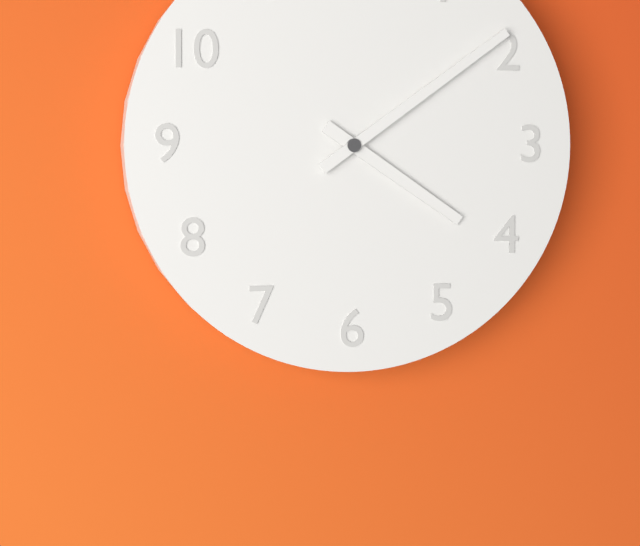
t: h=4 m=9
